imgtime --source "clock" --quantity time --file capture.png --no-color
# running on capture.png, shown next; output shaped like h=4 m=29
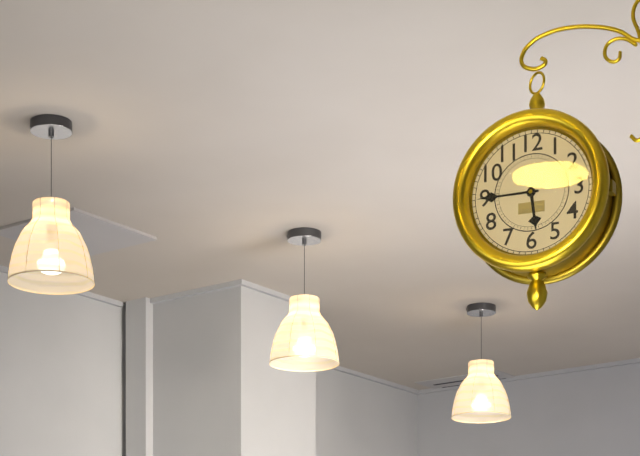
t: h=5 m=45
